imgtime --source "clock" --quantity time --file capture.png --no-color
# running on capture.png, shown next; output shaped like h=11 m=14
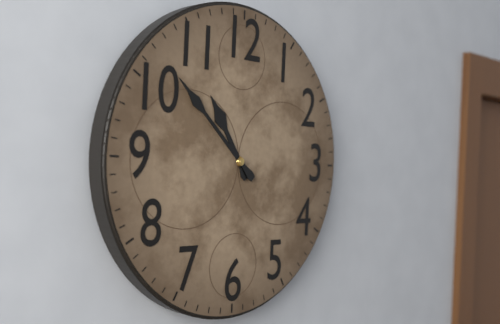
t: h=10 m=52
